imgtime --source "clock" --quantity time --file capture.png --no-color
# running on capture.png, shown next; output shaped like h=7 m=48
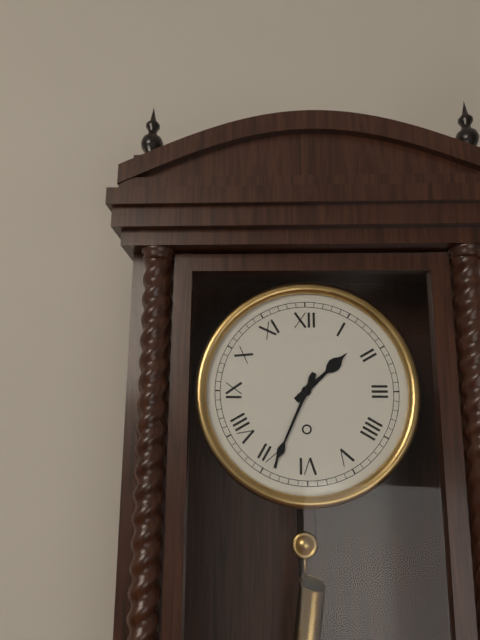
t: h=1 m=34
